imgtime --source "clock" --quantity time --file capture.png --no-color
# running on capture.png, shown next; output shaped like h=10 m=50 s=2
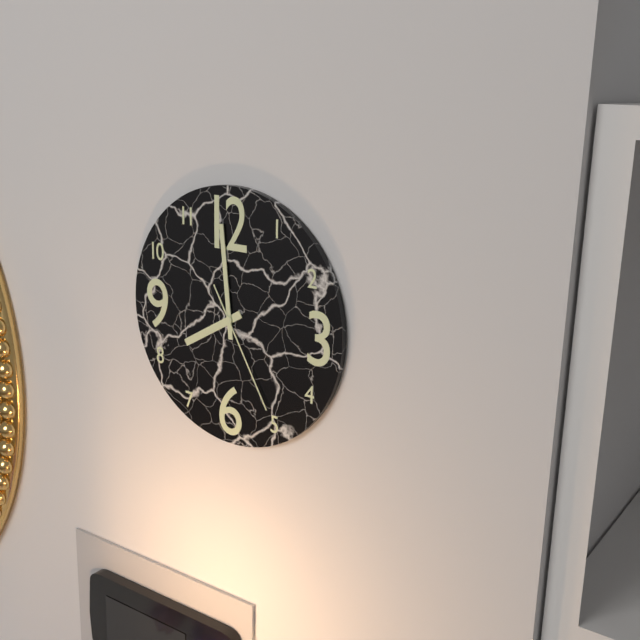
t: h=7 m=59 s=25
